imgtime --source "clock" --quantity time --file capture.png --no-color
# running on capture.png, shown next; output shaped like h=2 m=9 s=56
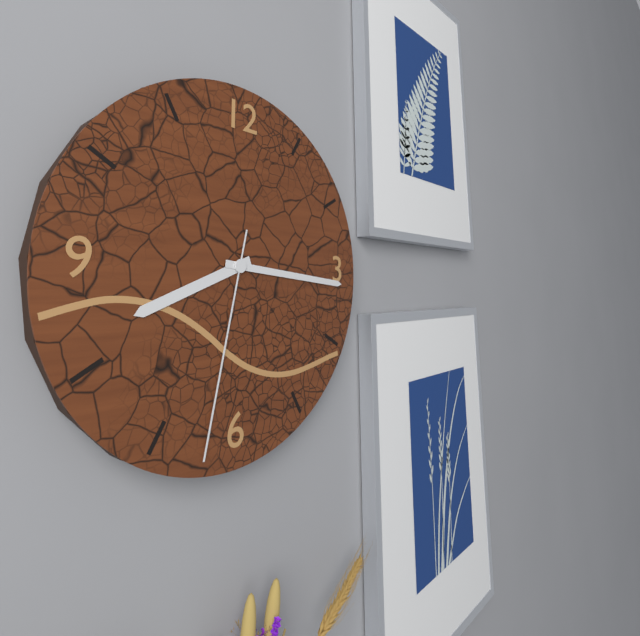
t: h=8 m=16 s=32
